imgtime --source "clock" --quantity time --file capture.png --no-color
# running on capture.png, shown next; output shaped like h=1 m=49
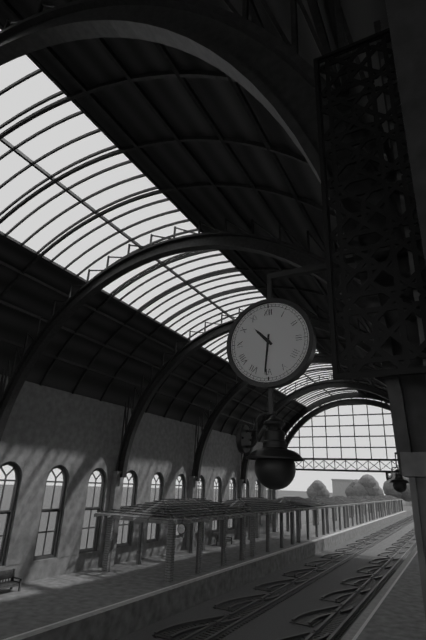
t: h=10 m=31
